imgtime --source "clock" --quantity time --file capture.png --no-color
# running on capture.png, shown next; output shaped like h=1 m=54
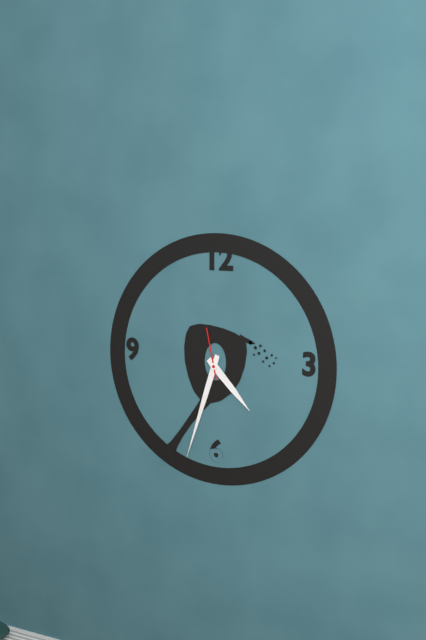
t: h=4 m=33
